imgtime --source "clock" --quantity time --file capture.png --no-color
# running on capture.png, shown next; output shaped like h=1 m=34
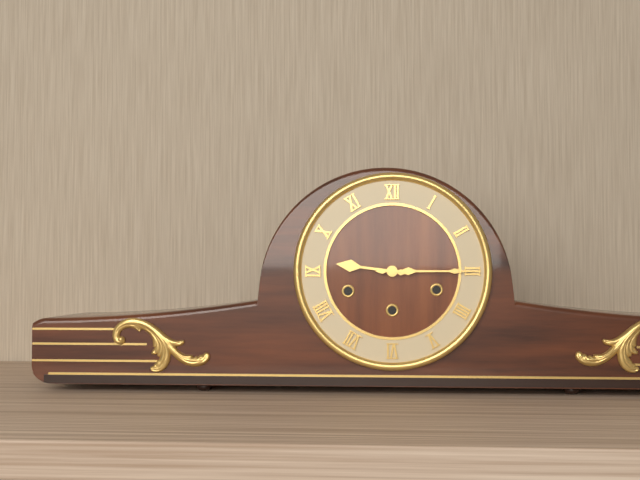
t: h=9 m=15
